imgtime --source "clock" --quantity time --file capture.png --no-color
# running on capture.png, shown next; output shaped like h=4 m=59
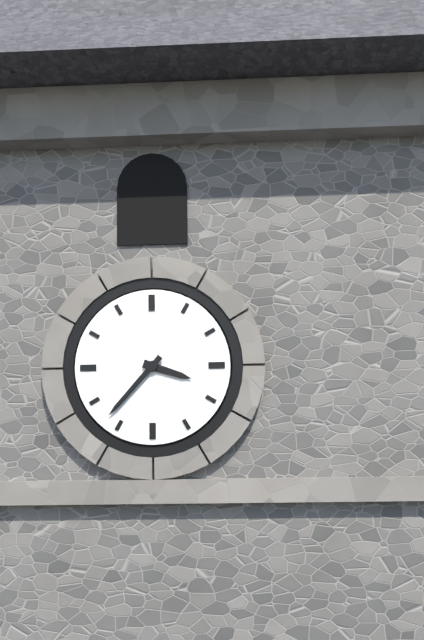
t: h=3 m=37
